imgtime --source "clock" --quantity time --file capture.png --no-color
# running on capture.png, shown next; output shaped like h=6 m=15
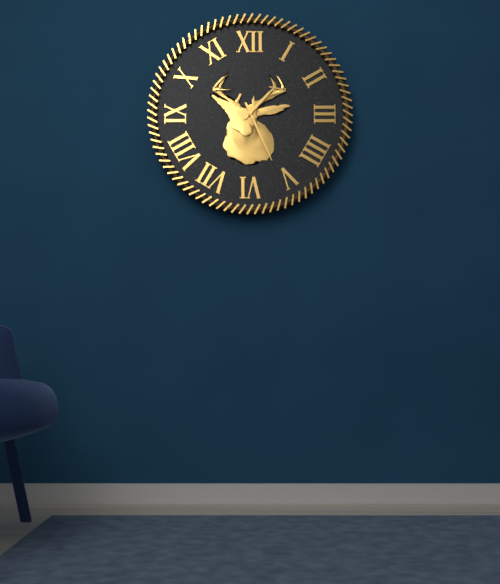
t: h=1 m=26
